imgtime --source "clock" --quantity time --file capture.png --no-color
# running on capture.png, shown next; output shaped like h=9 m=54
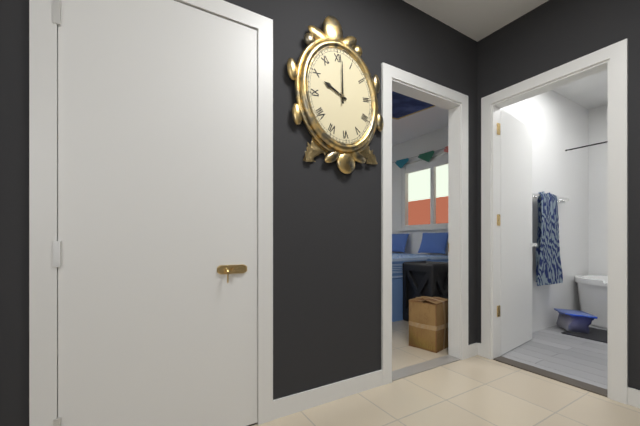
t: h=10 m=1
